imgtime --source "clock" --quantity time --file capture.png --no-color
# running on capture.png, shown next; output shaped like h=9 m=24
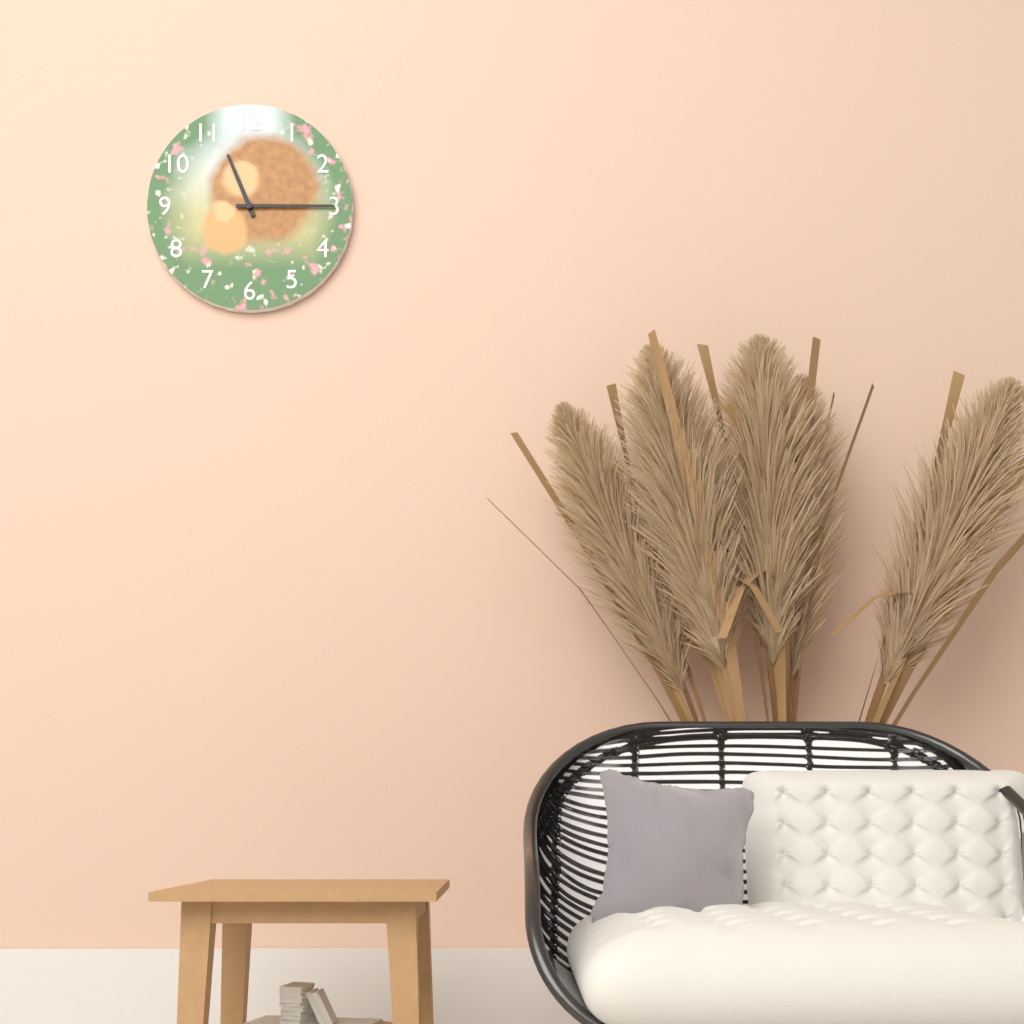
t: h=11 m=15
